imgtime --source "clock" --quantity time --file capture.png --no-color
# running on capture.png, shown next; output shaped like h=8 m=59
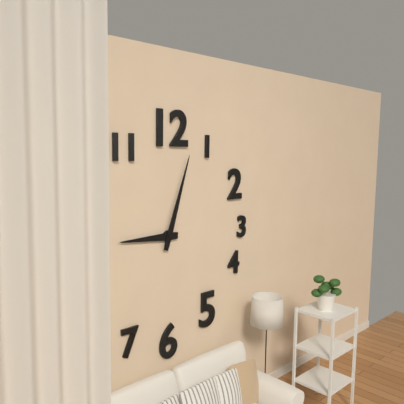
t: h=9 m=3
